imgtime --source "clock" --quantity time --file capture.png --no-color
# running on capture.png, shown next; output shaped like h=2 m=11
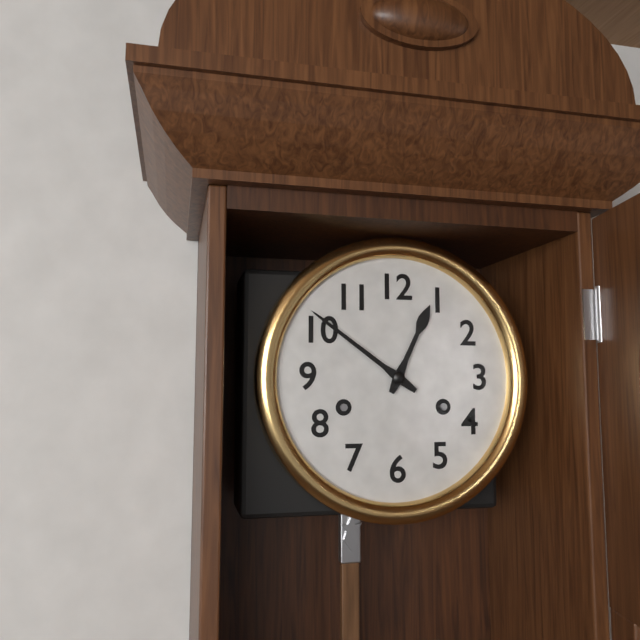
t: h=12 m=51
